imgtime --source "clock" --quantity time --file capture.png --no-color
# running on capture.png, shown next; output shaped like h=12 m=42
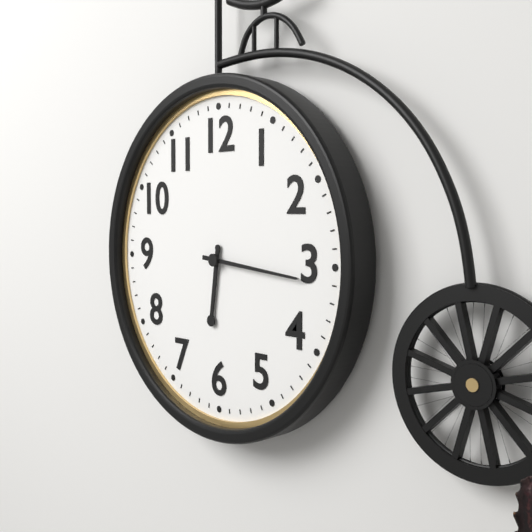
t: h=6 m=16
